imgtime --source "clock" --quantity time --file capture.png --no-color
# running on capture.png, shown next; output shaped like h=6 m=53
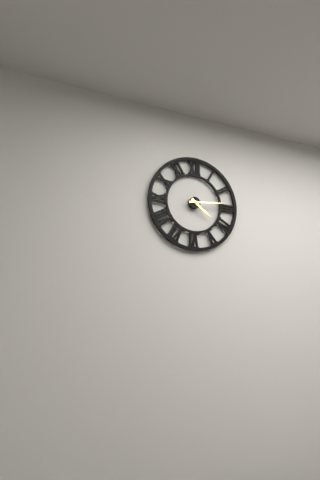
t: h=4 m=14
